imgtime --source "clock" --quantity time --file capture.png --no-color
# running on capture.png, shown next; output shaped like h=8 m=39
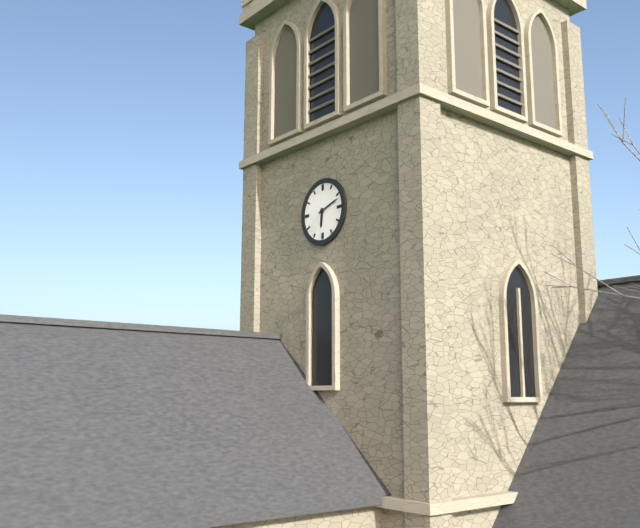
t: h=6 m=12
